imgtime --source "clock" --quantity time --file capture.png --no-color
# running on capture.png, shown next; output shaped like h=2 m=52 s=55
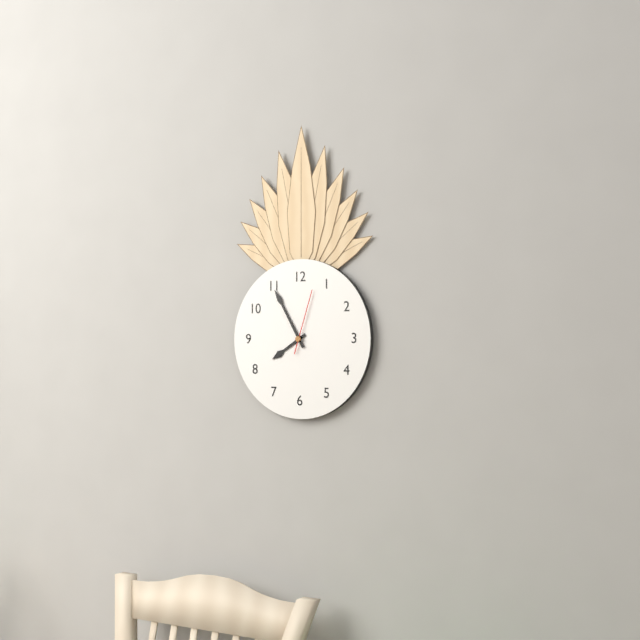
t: h=7 m=55 s=3
